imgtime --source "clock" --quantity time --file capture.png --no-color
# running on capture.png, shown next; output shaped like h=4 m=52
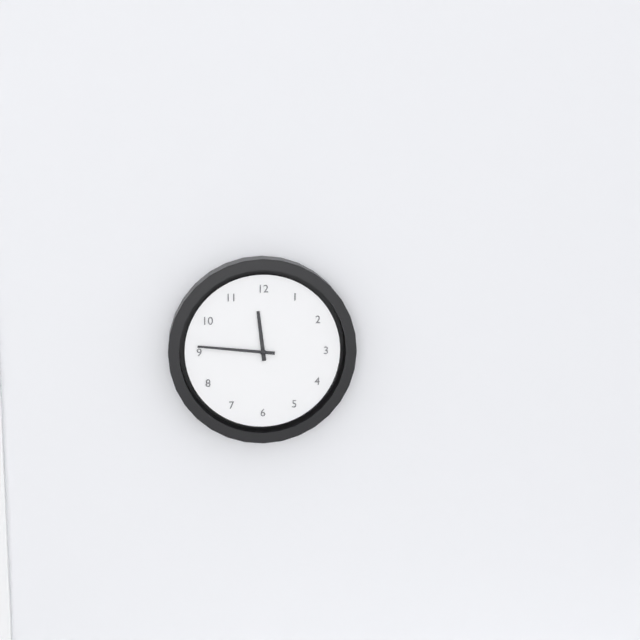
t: h=11 m=46
